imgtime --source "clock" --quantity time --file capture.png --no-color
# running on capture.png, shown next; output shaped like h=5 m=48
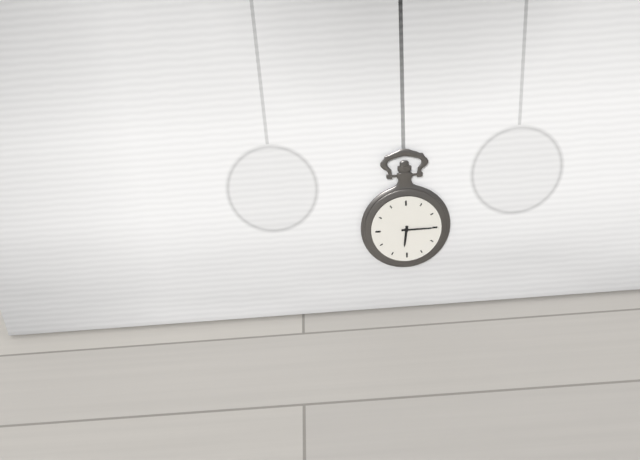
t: h=6 m=15
